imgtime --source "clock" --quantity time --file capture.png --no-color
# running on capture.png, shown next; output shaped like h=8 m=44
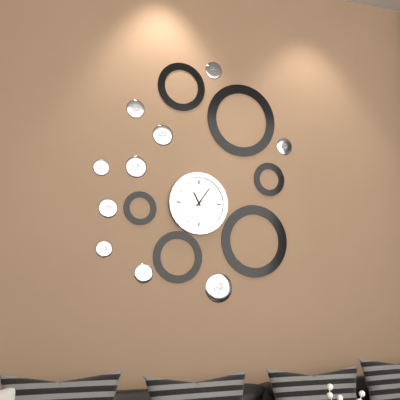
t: h=11 m=6
